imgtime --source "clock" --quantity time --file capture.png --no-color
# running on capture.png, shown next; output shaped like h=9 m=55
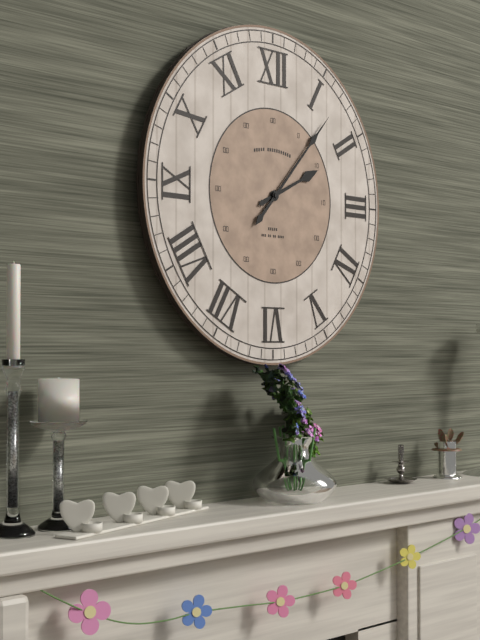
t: h=2 m=7
